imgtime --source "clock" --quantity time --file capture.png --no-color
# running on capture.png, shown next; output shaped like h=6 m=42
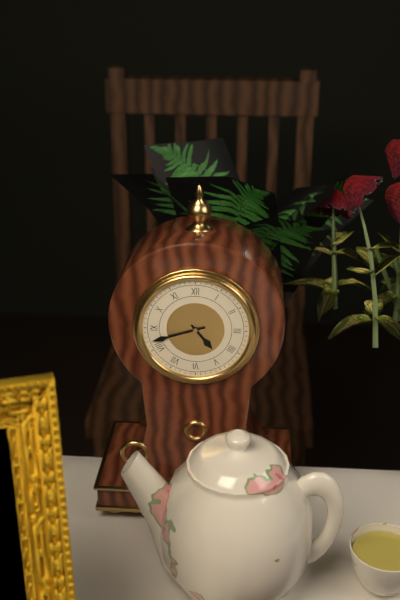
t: h=4 m=42
